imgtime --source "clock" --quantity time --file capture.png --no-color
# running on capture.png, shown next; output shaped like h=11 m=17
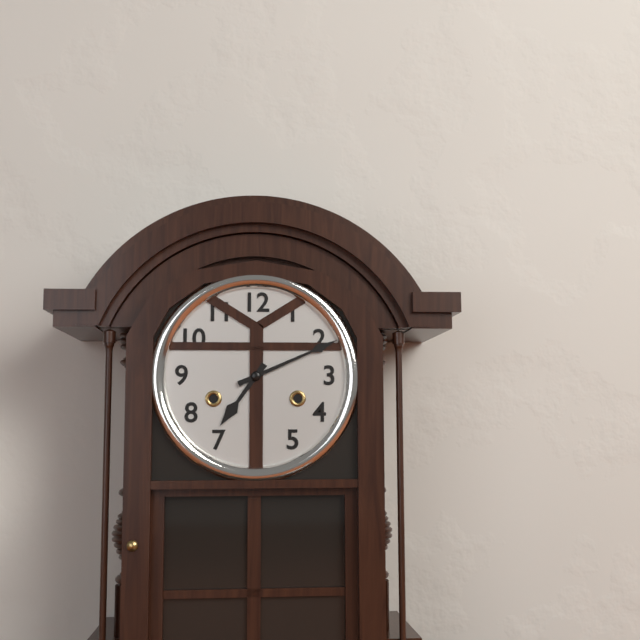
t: h=7 m=11
